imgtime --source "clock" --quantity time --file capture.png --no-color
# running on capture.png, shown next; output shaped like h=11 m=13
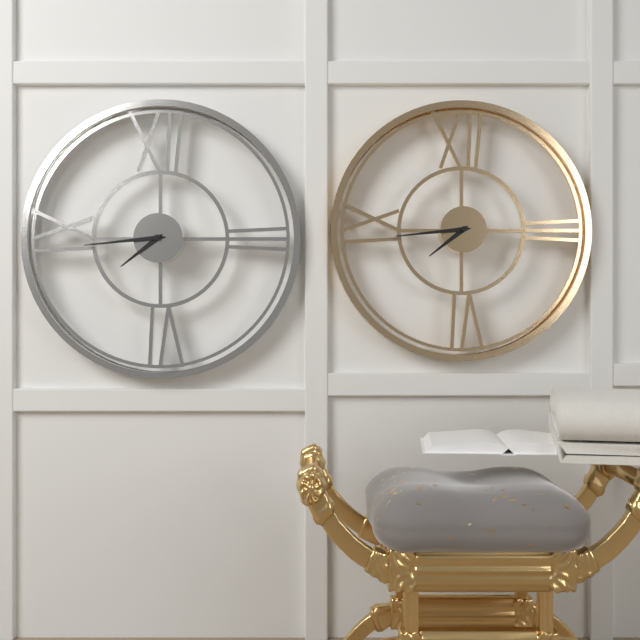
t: h=7 m=44
